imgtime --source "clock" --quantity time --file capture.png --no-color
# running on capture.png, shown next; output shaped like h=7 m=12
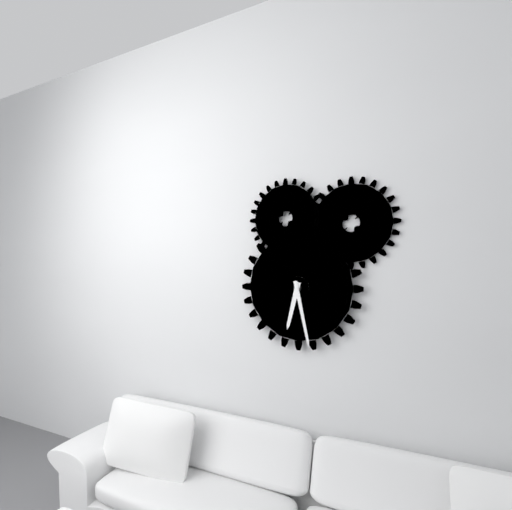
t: h=6 m=28
